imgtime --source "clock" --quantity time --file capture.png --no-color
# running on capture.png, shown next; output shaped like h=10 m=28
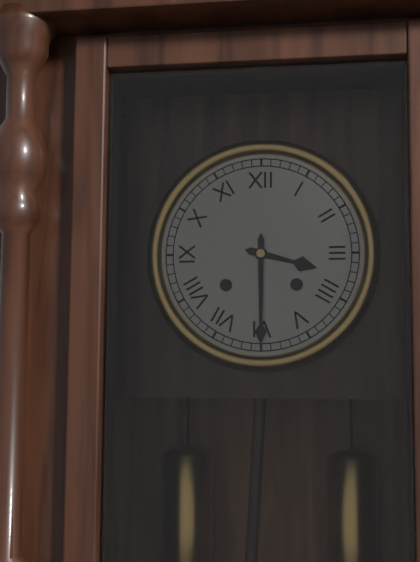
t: h=3 m=30
